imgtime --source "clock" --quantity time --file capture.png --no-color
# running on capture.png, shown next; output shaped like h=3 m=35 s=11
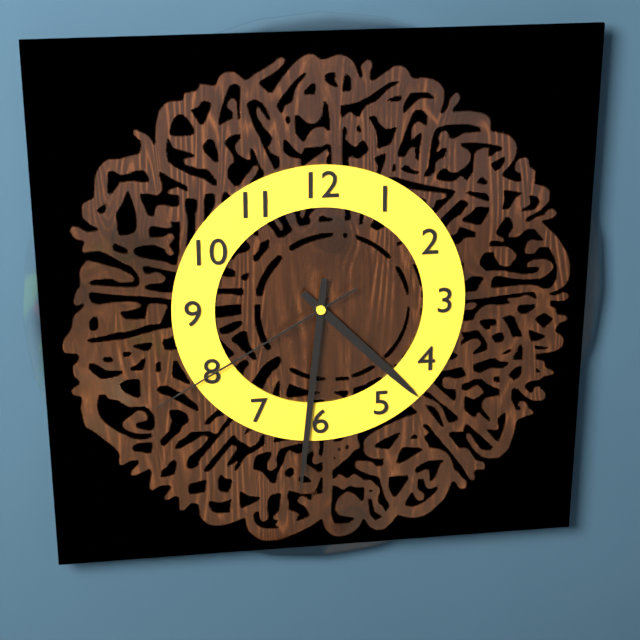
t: h=4 m=31 s=40
